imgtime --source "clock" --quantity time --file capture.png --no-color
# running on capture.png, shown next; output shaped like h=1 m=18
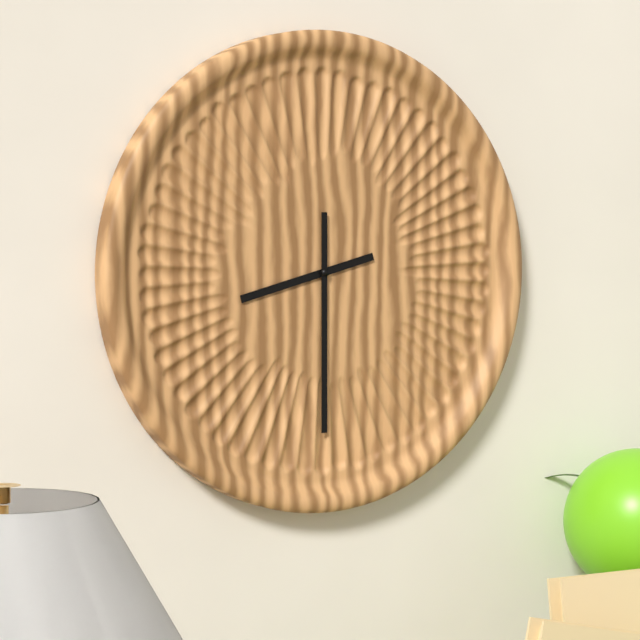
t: h=8 m=30
